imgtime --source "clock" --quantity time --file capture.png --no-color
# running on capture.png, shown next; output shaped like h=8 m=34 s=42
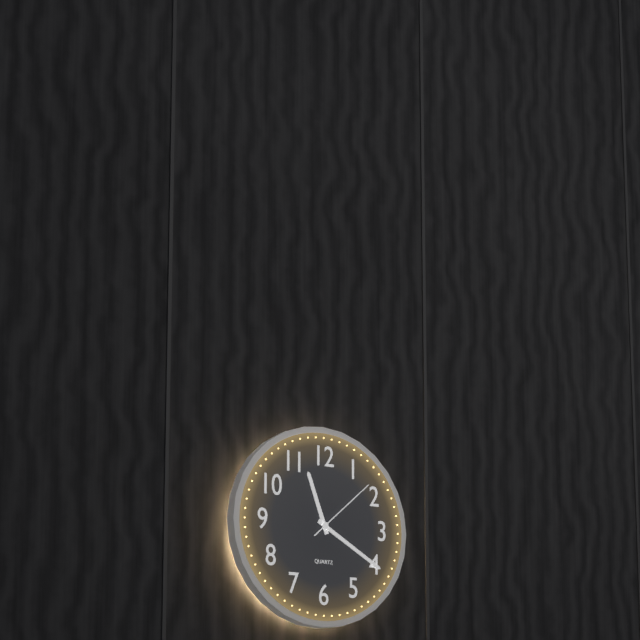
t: h=11 m=20 s=8
